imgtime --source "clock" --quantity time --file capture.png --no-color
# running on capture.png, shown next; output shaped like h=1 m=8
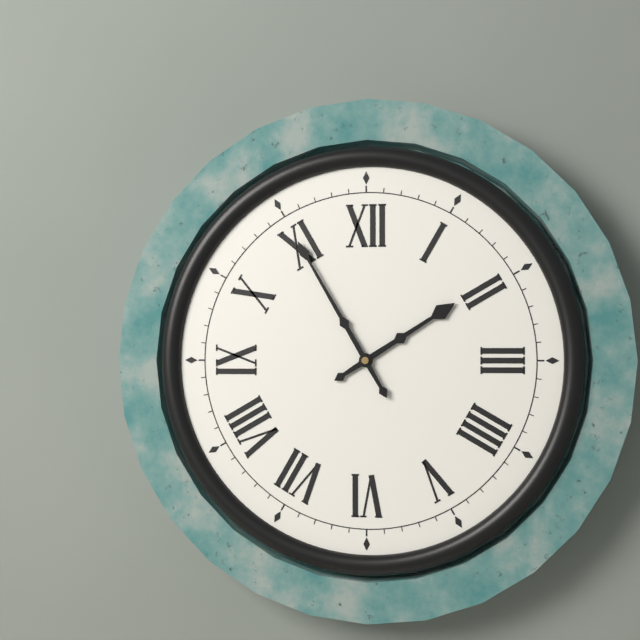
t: h=1 m=55
